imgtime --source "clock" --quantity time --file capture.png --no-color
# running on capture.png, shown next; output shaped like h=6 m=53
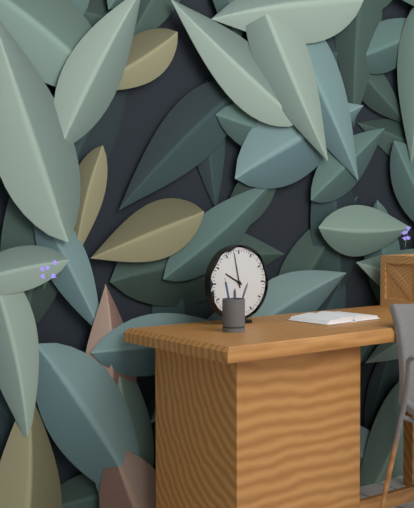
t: h=9 m=58
